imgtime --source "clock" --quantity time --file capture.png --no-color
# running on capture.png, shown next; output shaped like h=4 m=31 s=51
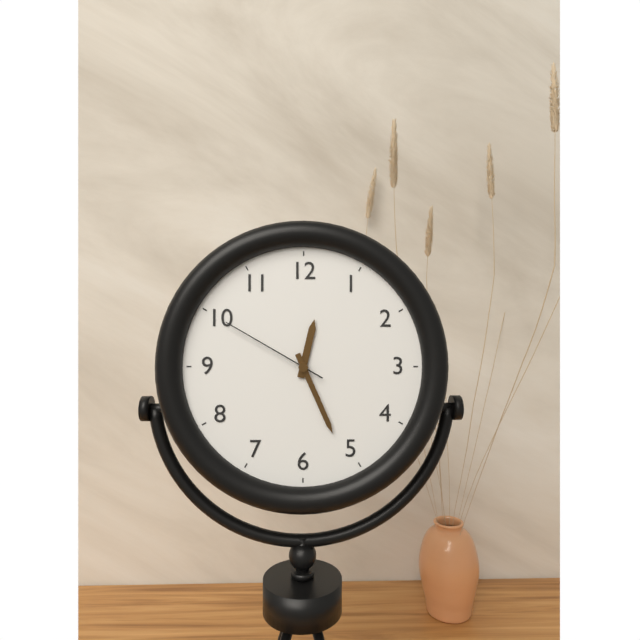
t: h=12 m=26 s=50
